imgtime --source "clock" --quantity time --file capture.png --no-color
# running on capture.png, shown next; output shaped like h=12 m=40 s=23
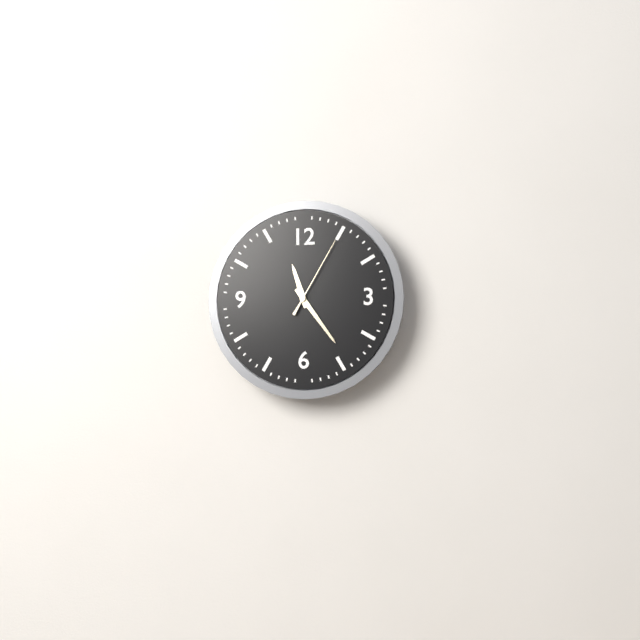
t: h=11 m=24 s=5
